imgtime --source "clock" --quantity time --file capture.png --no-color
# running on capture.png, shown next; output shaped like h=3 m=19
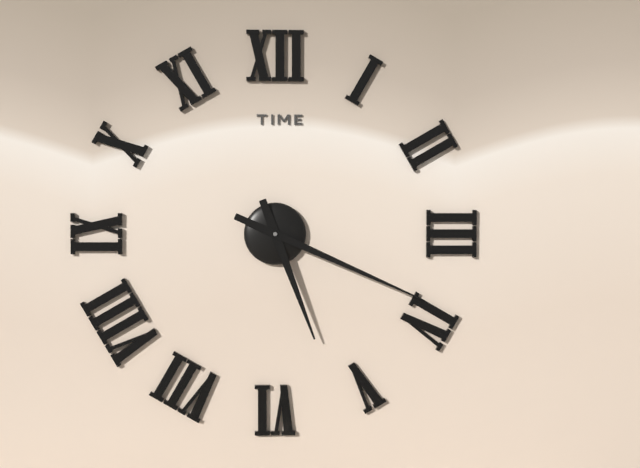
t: h=5 m=19
